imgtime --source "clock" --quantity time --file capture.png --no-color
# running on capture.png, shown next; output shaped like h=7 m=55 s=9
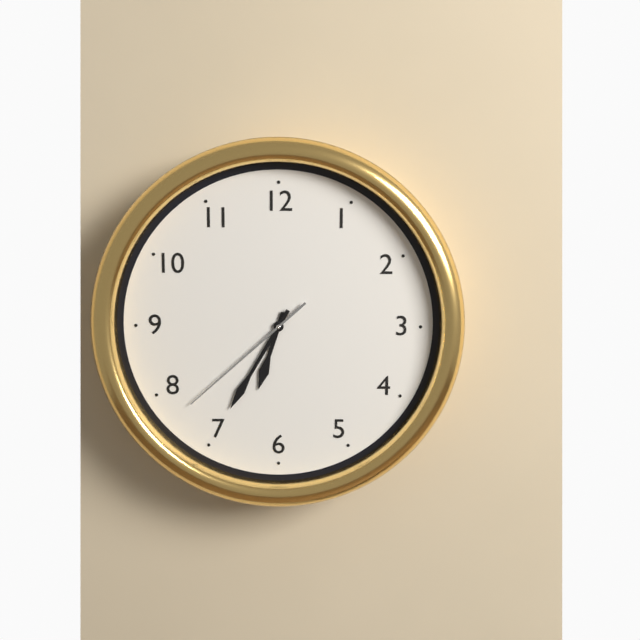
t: h=6 m=35 s=38
